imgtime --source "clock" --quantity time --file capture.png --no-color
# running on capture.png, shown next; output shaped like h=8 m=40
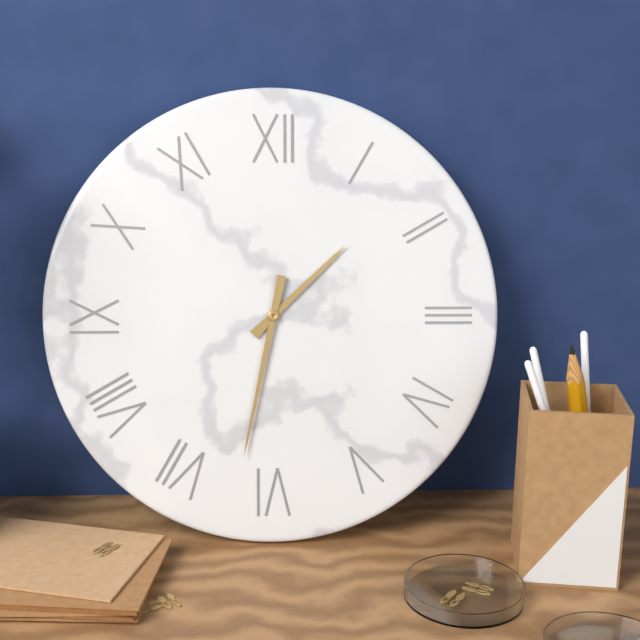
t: h=1 m=32
